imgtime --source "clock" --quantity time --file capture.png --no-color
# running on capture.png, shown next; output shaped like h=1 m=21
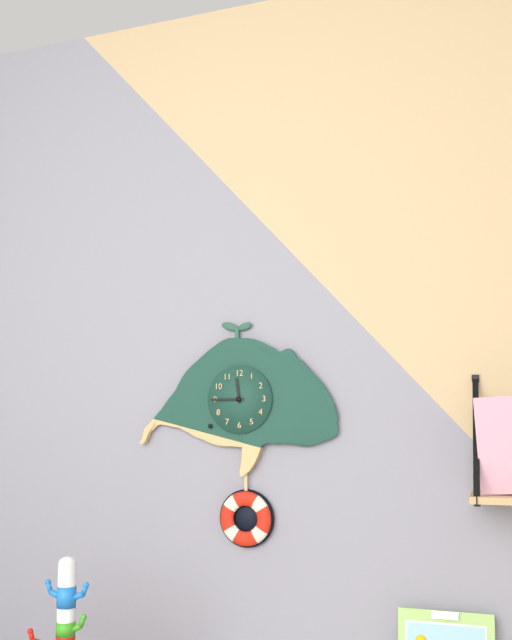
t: h=11 m=45
